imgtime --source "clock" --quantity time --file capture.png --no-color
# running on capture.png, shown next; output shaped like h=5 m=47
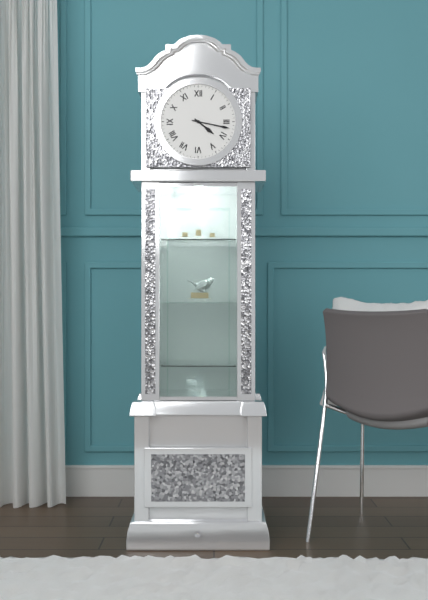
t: h=4 m=17
